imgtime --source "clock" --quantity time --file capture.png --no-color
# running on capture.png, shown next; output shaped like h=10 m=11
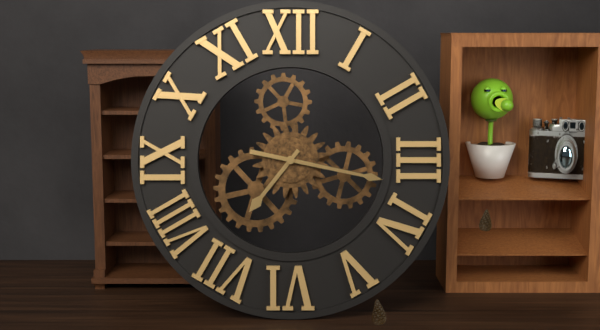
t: h=7 m=17
